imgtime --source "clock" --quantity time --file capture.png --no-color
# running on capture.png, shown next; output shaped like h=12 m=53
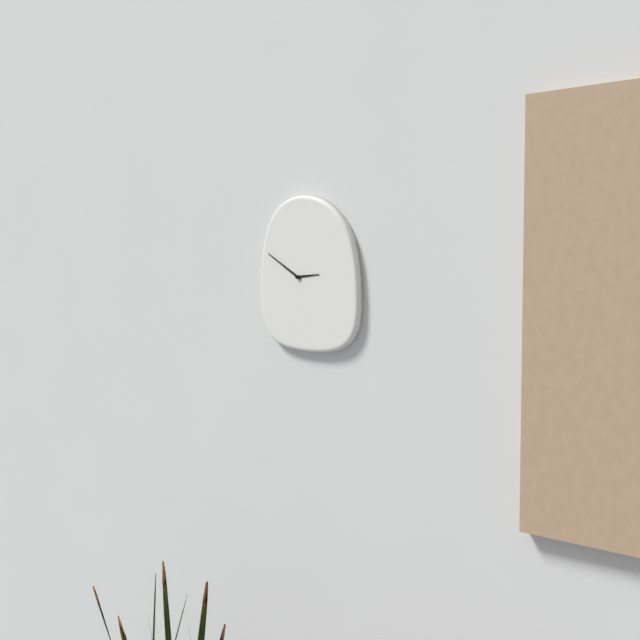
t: h=2 m=50
